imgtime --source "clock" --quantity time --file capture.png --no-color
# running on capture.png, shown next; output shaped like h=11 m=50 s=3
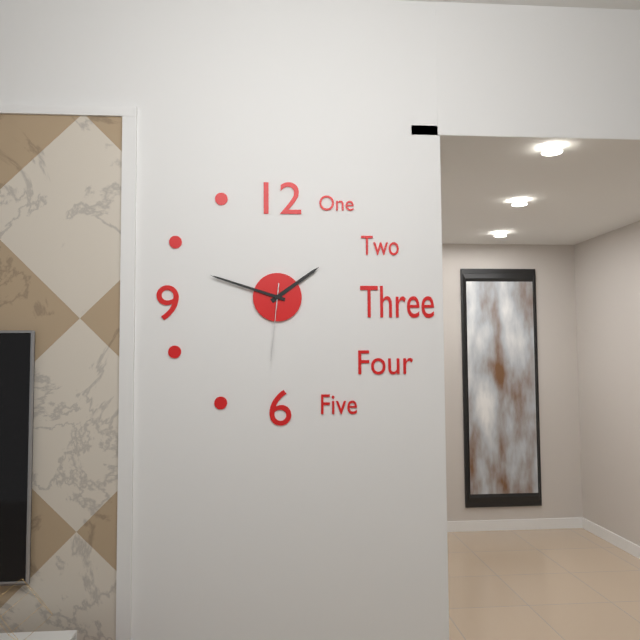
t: h=1 m=48 s=31
